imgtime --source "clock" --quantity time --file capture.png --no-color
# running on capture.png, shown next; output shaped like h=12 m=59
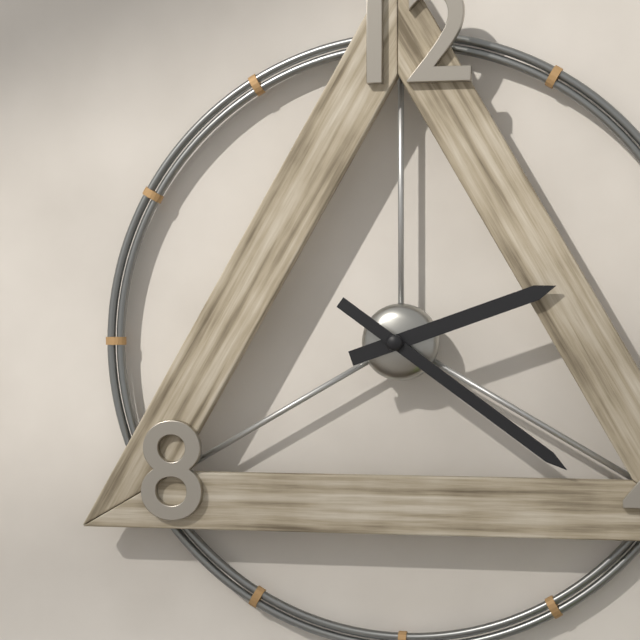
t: h=2 m=21
